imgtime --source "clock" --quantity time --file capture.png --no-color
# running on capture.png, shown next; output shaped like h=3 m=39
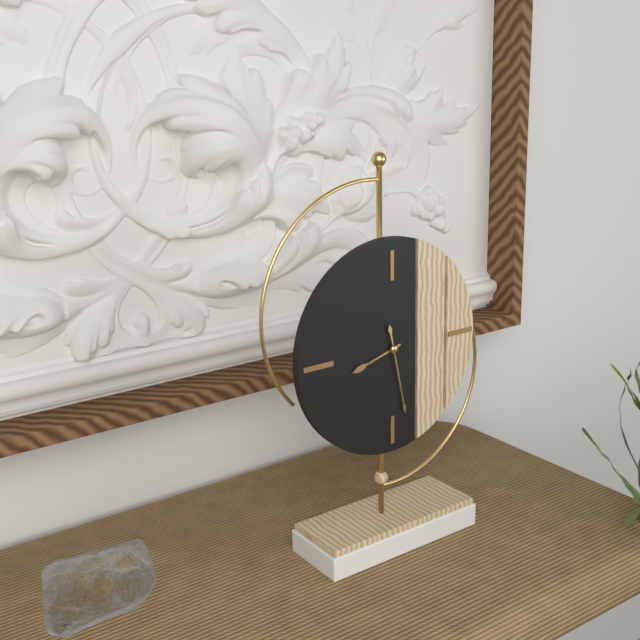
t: h=8 m=28
